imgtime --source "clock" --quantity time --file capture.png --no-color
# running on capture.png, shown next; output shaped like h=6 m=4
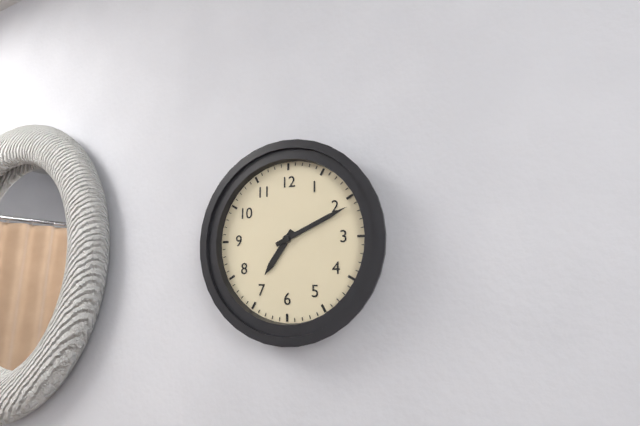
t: h=7 m=11
